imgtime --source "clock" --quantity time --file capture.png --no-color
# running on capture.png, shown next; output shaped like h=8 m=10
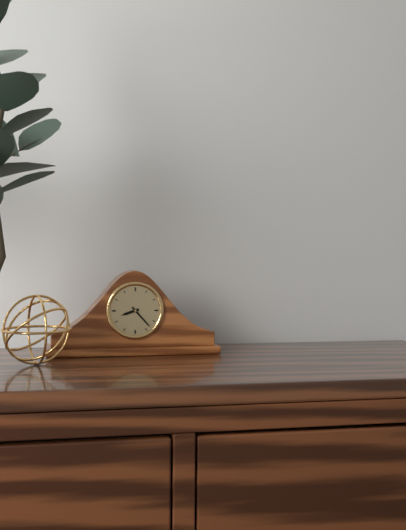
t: h=8 m=23
